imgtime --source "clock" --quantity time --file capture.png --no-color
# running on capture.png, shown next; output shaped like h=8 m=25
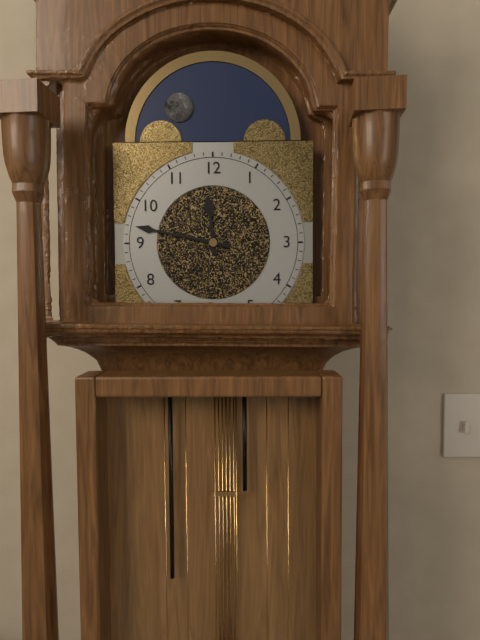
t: h=11 m=47
